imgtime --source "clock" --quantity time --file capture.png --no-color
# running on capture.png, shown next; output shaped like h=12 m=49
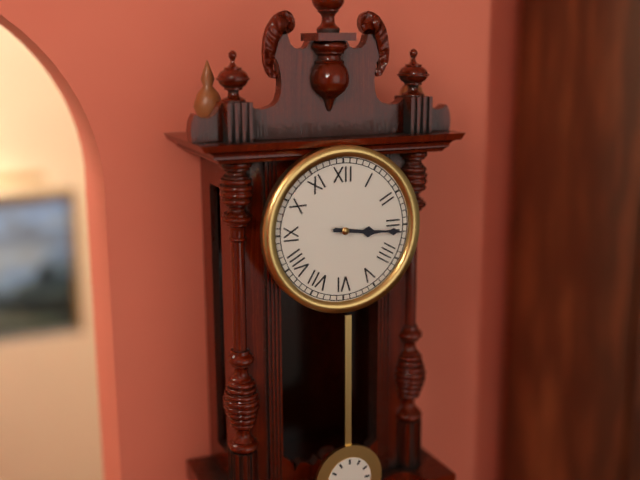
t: h=3 m=16
